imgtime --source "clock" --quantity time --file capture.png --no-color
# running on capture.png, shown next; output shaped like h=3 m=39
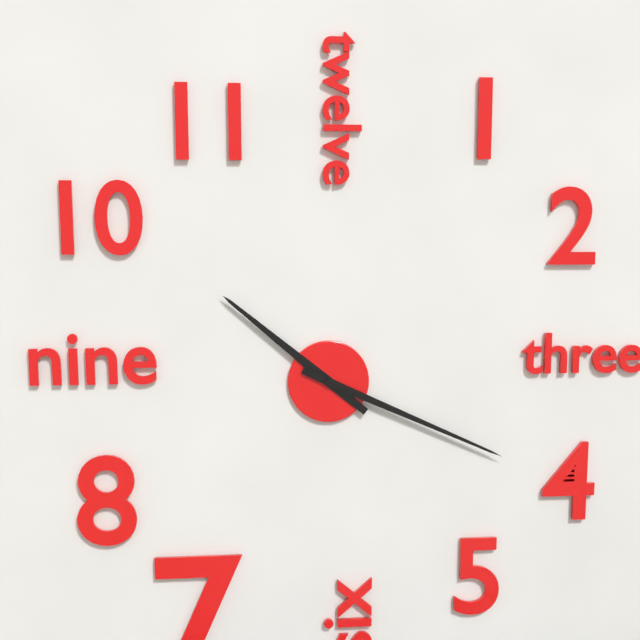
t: h=10 m=19
